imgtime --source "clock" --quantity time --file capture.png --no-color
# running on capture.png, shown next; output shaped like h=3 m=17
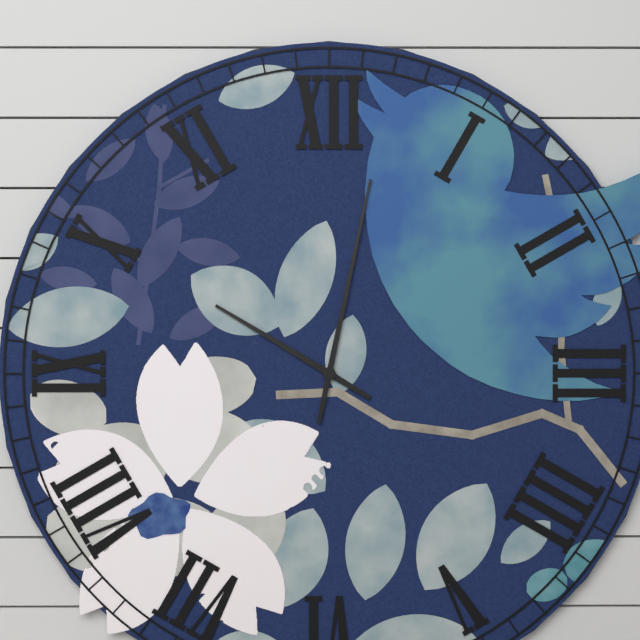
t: h=10 m=2
